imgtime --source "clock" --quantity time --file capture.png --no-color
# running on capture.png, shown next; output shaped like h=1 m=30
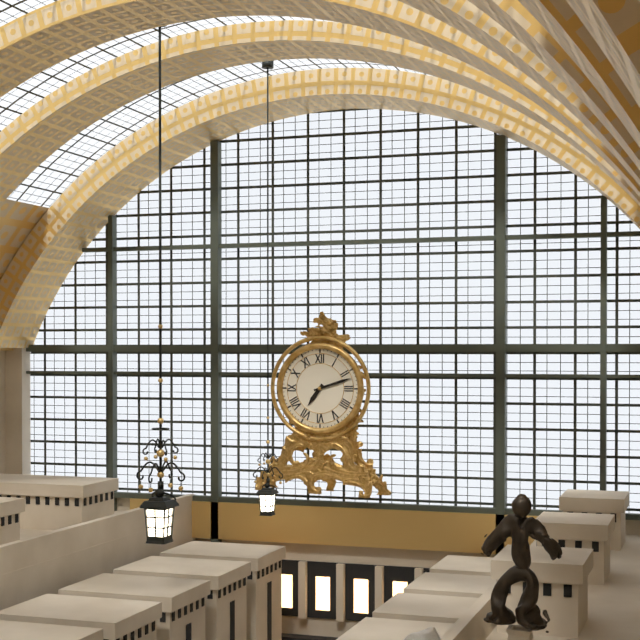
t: h=7 m=12
